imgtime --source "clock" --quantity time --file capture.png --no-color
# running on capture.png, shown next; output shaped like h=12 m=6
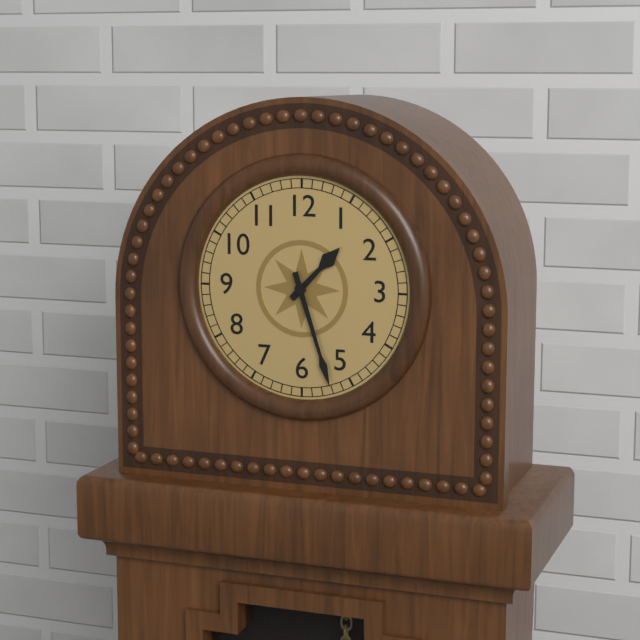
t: h=1 m=27
